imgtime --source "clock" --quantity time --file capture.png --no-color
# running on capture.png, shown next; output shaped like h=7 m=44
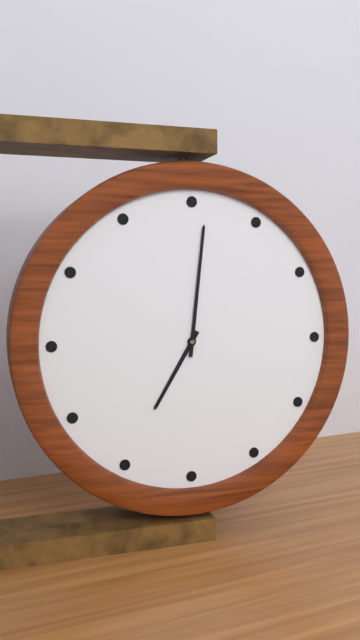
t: h=7 m=1
